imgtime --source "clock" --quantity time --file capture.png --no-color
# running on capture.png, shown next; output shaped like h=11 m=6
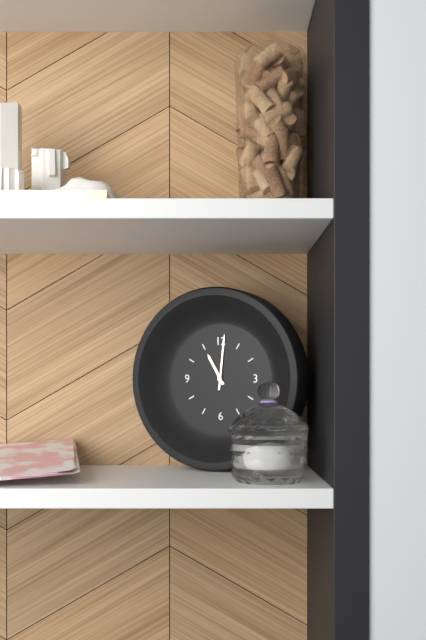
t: h=11 m=1
